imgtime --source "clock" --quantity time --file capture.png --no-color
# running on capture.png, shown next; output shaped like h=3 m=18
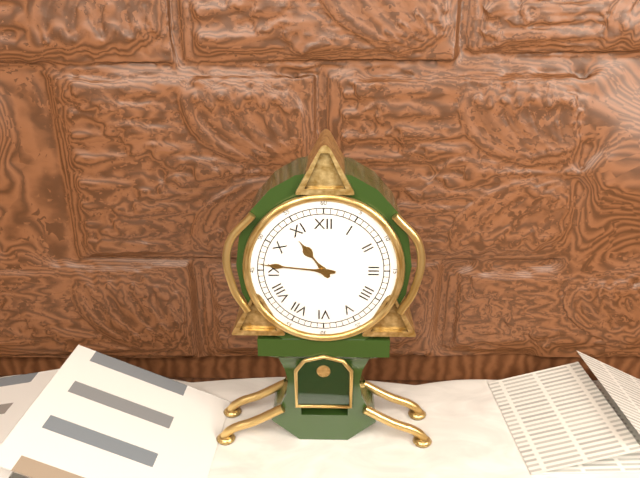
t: h=10 m=46
